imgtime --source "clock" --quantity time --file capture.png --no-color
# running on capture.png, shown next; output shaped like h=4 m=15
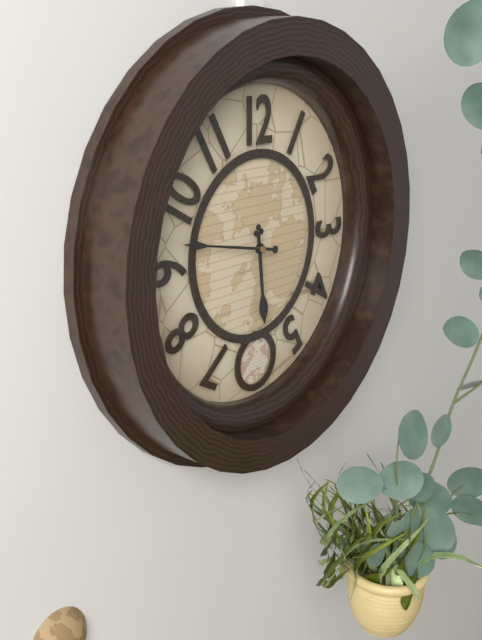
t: h=5 m=47
